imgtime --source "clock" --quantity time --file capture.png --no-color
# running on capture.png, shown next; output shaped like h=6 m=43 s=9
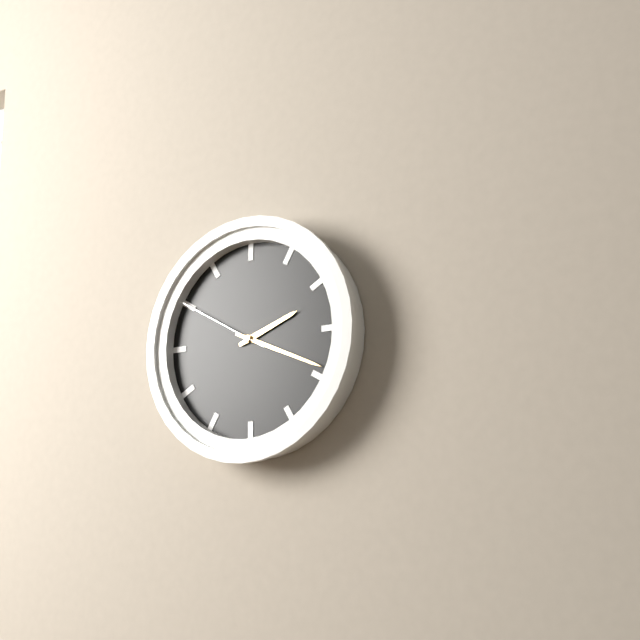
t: h=2 m=19 s=50
